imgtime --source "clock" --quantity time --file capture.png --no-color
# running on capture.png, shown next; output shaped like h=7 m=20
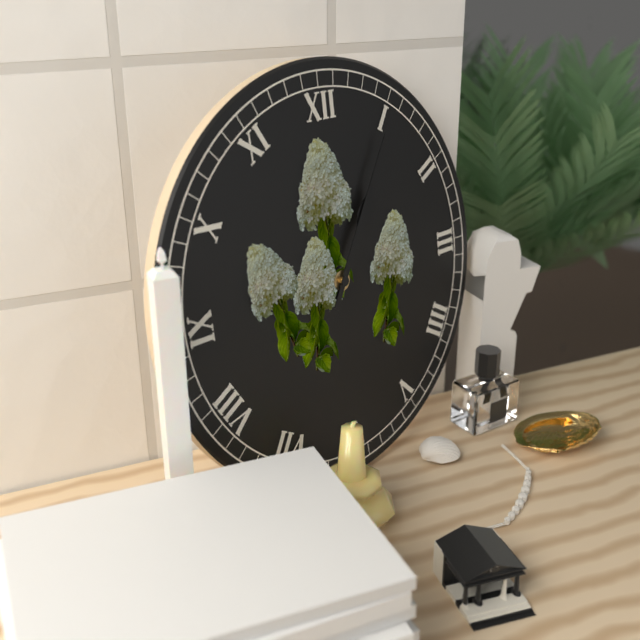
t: h=1 m=5
